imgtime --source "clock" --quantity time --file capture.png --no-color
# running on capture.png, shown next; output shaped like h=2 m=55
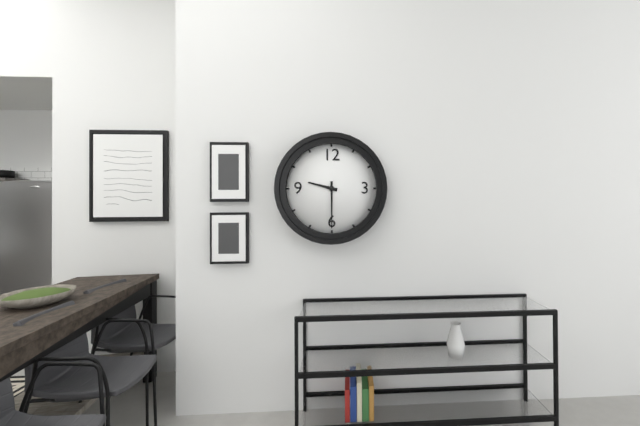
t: h=9 m=30
